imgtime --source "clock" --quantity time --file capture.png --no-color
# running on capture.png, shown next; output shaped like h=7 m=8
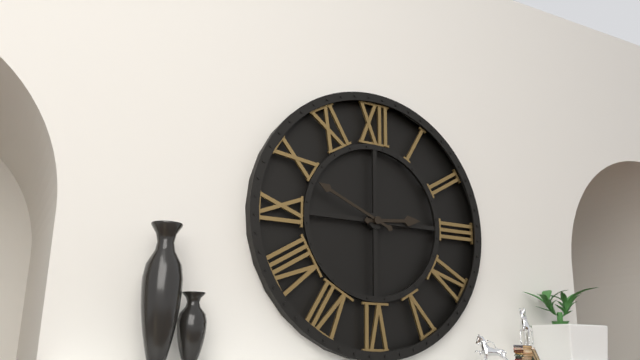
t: h=2 m=49
